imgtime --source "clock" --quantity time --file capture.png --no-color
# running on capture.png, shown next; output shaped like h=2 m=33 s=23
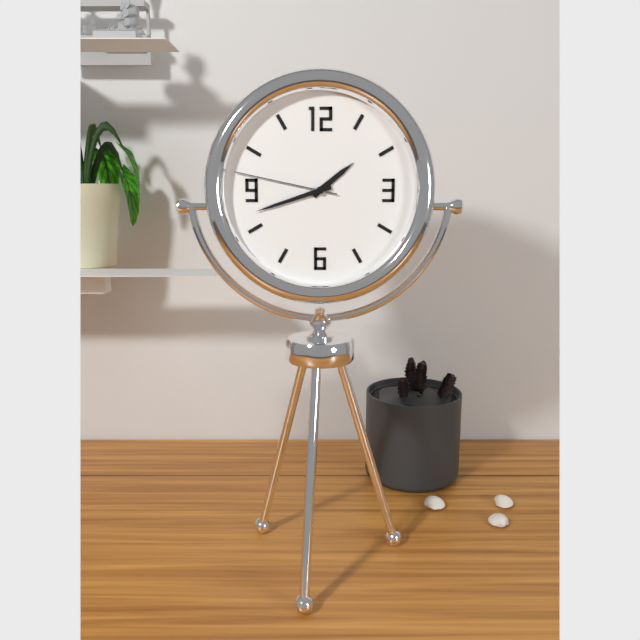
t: h=1 m=42 s=47
